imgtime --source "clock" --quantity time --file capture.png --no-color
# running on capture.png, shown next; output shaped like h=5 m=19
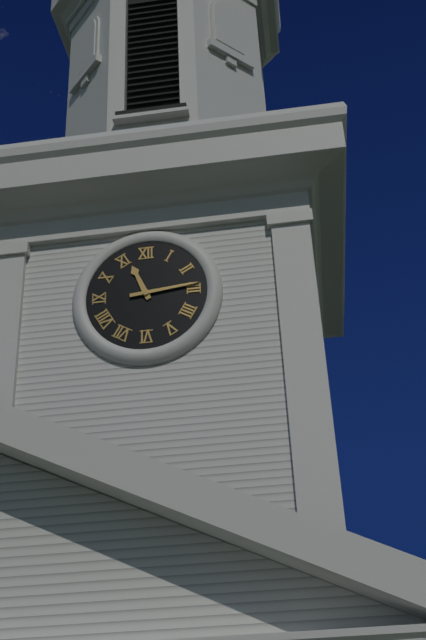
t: h=11 m=14
